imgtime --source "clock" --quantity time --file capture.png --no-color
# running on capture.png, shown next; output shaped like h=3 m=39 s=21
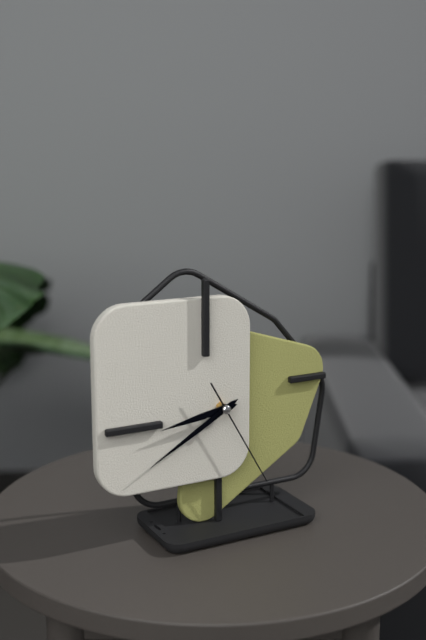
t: h=8 m=40 s=25
